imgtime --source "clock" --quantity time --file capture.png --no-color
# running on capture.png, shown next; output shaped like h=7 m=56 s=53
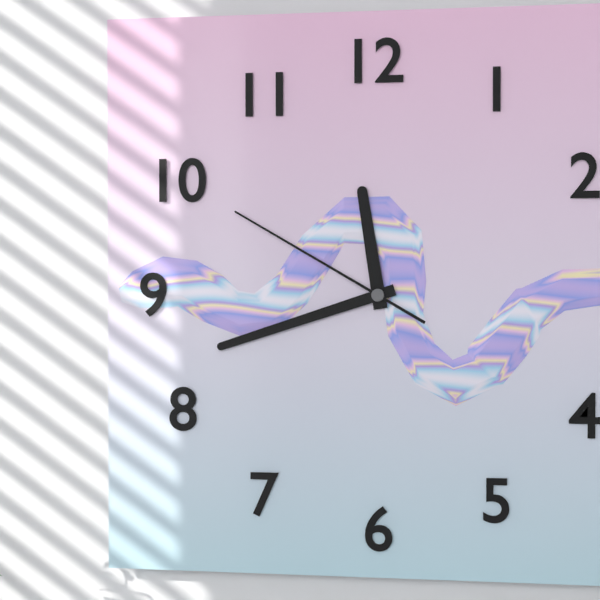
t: h=11 m=42 s=50
